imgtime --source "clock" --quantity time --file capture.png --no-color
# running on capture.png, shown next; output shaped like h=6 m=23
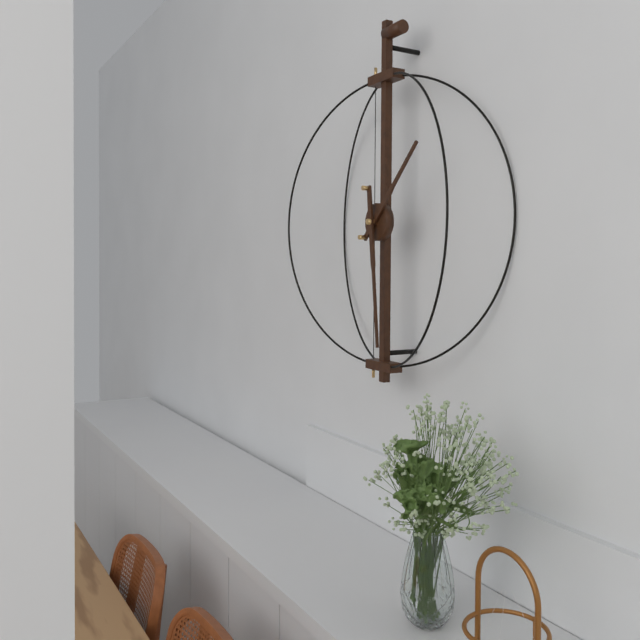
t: h=1 m=29
